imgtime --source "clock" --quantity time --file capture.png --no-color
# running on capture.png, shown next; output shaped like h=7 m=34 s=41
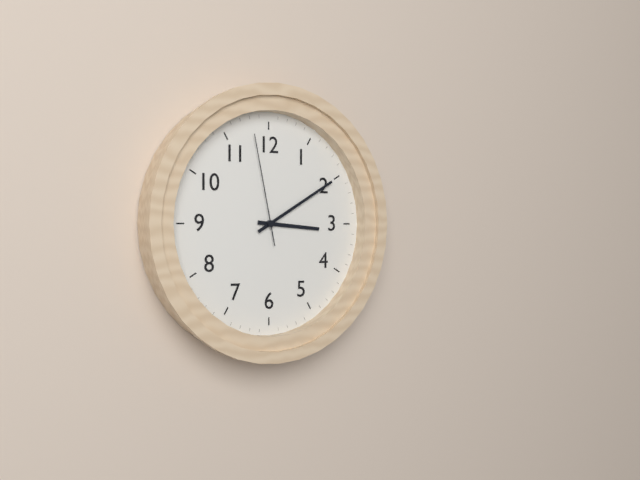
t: h=3 m=10 s=58
